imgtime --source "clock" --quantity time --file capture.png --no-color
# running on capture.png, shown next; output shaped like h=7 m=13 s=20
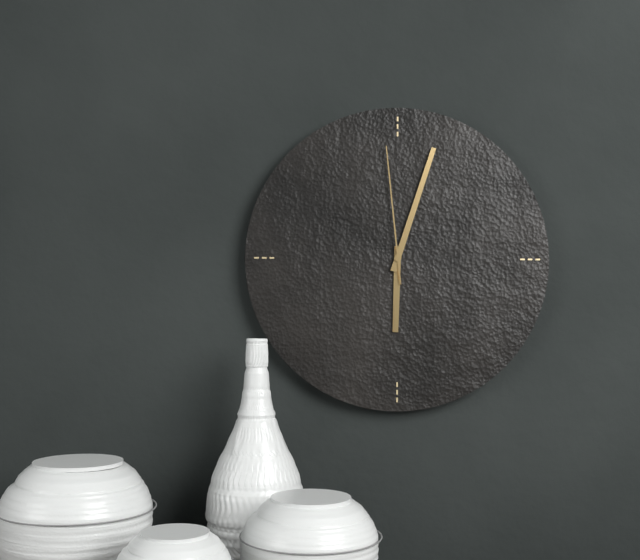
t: h=6 m=3 s=59
